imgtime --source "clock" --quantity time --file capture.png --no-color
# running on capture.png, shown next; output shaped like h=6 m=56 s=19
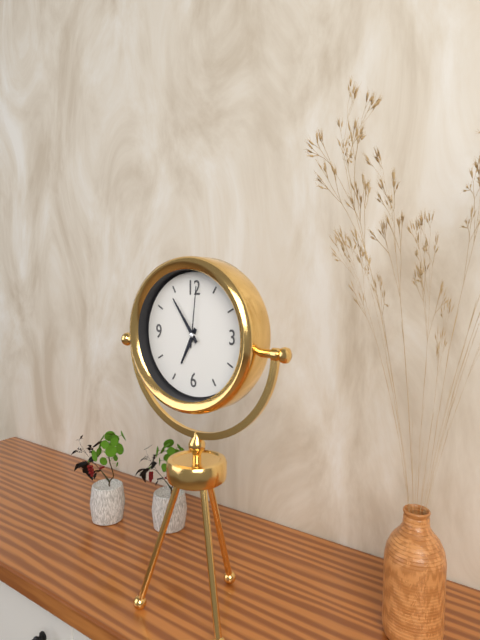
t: h=6 m=54 s=1
